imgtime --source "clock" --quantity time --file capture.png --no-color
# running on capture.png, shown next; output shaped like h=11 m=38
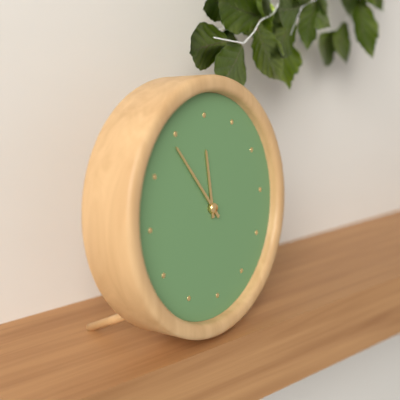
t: h=11 m=54
